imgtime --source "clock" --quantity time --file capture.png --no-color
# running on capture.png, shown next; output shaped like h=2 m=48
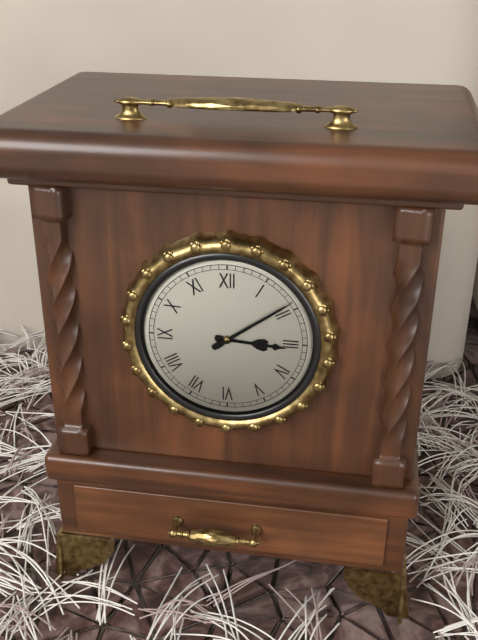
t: h=3 m=9
